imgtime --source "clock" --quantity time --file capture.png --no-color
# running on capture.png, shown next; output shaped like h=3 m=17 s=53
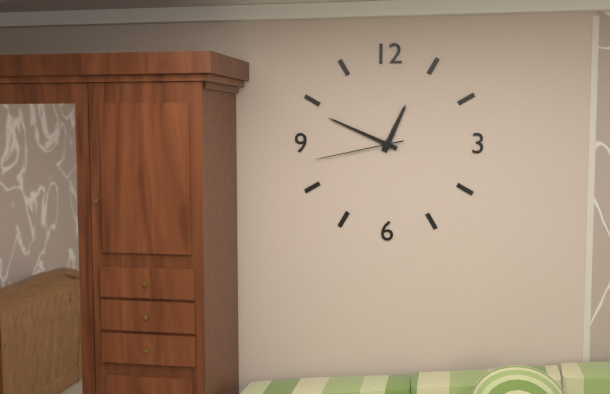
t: h=12 m=49 s=43
